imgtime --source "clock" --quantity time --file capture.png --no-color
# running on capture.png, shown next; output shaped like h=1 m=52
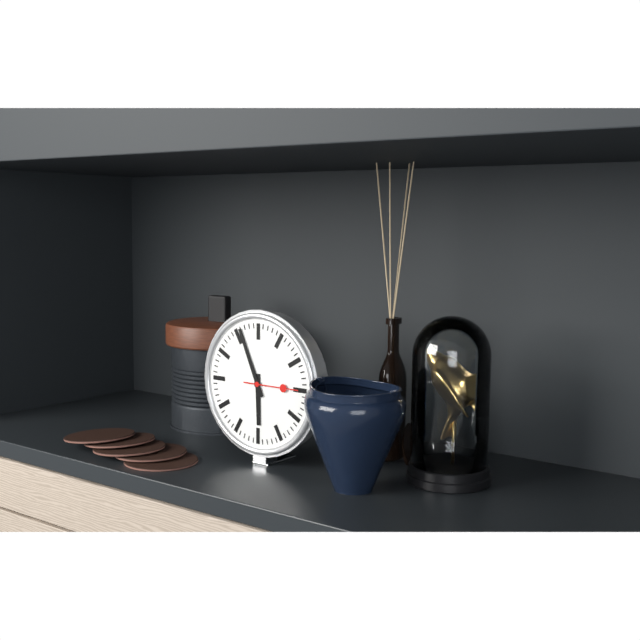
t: h=5 m=56
